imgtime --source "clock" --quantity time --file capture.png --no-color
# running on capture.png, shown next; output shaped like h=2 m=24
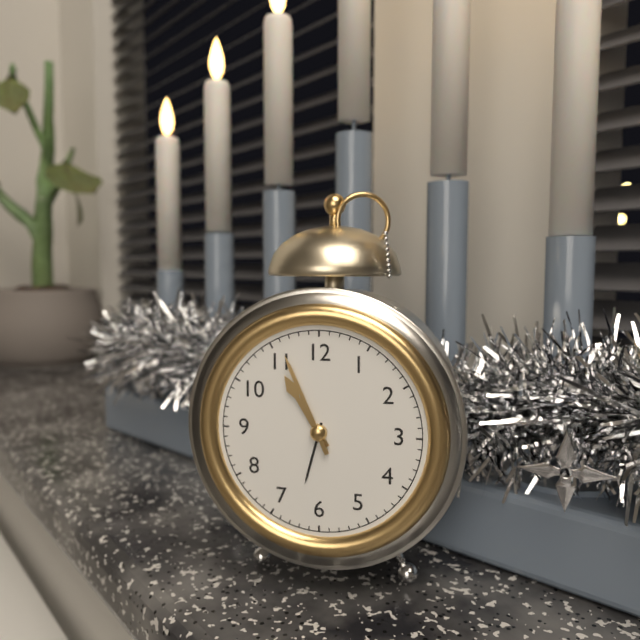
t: h=10 m=56
